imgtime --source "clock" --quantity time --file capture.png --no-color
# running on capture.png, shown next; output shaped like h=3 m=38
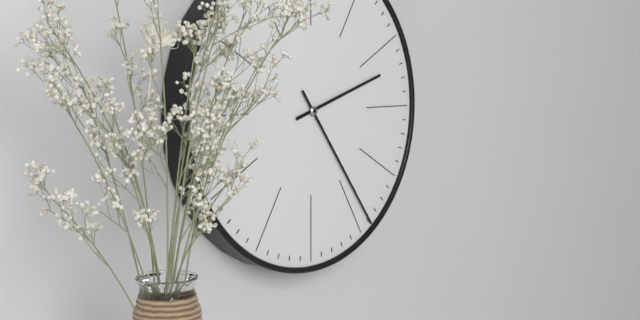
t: h=2 m=24
